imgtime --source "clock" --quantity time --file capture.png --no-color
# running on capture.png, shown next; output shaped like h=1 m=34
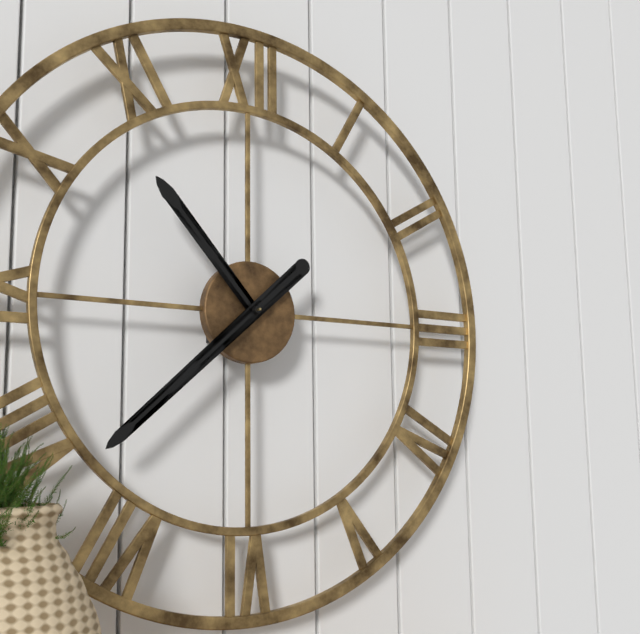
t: h=10 m=38
